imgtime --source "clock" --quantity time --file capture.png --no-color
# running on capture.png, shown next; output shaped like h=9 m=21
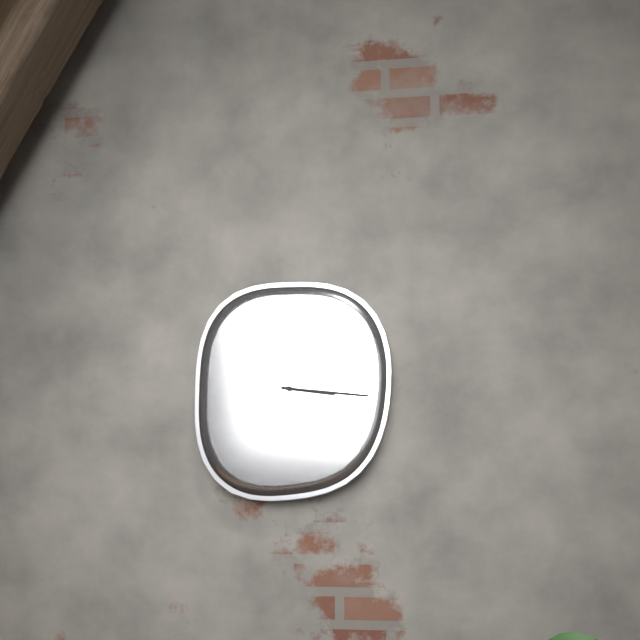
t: h=3 m=16
